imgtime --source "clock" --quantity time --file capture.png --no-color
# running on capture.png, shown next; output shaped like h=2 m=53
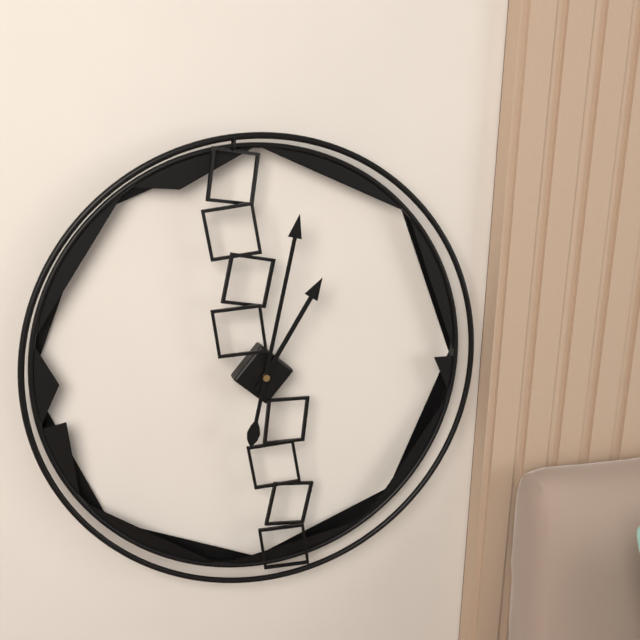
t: h=1 m=2
